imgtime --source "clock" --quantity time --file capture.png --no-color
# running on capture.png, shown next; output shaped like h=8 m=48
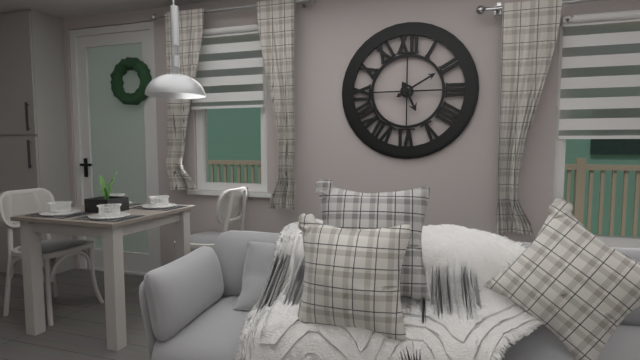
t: h=5 m=10
